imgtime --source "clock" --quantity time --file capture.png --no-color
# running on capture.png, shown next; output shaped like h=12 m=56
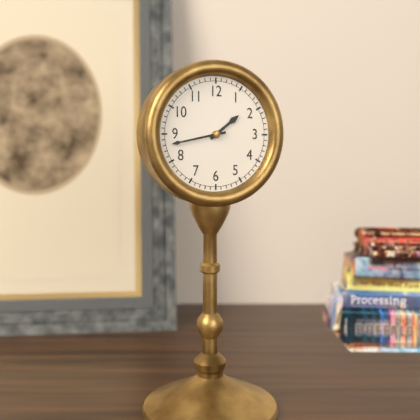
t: h=1 m=43
